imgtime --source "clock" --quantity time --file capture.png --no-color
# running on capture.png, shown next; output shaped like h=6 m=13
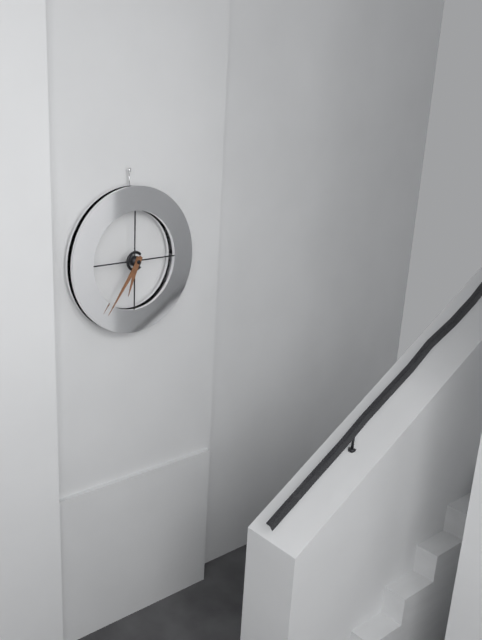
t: h=6 m=36
